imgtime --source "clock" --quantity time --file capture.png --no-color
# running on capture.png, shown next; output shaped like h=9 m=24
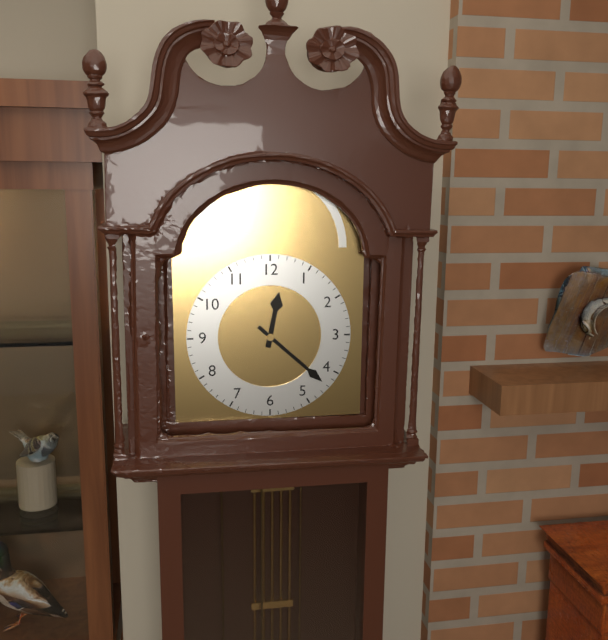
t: h=12 m=22
